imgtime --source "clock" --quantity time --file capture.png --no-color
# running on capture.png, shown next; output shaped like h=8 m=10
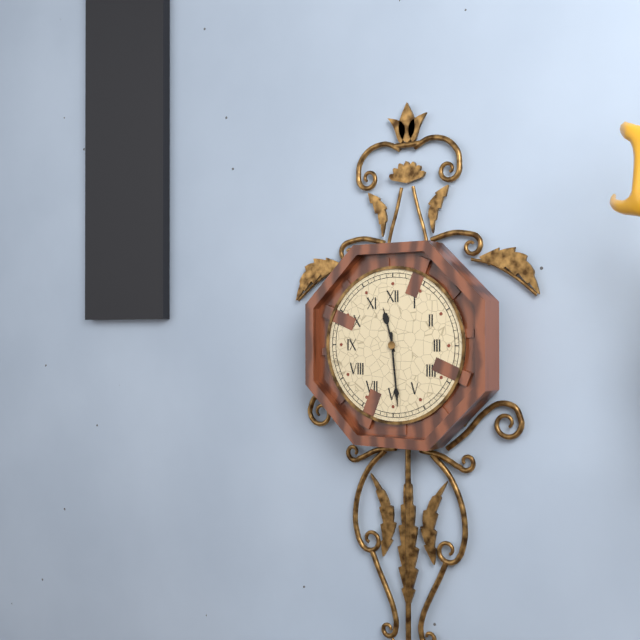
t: h=11 m=29
